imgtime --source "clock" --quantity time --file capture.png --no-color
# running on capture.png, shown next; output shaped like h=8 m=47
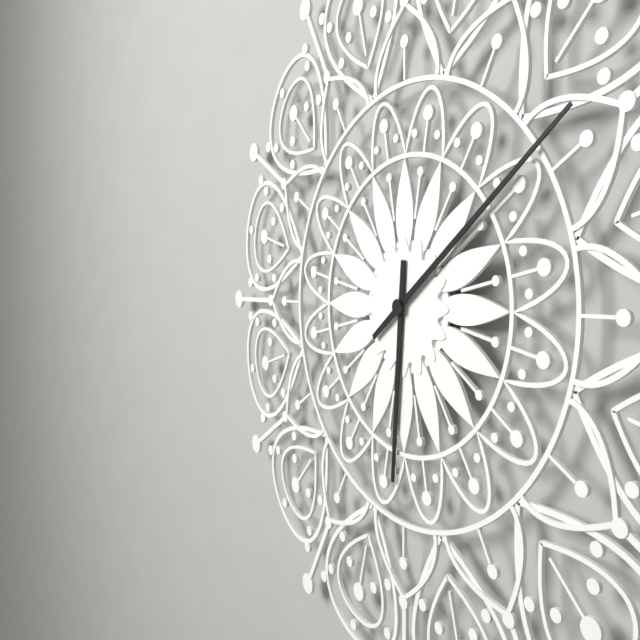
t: h=6 m=9
